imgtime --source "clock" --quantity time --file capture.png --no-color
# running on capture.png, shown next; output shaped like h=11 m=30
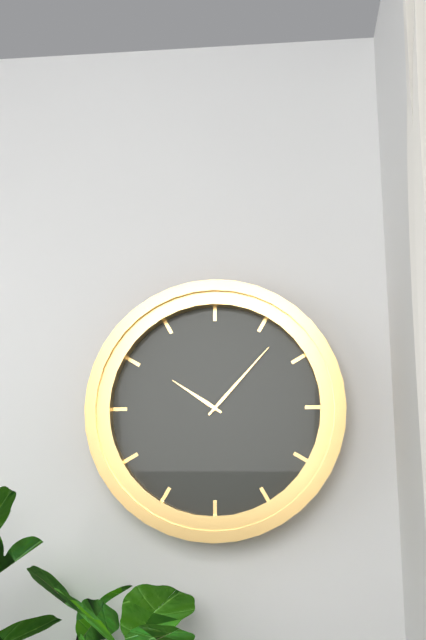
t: h=10 m=7
